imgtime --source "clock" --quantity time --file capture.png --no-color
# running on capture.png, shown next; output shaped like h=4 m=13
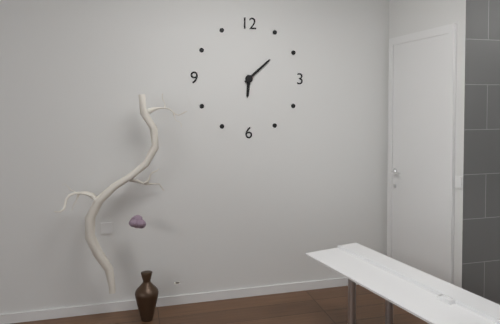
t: h=6 m=8
